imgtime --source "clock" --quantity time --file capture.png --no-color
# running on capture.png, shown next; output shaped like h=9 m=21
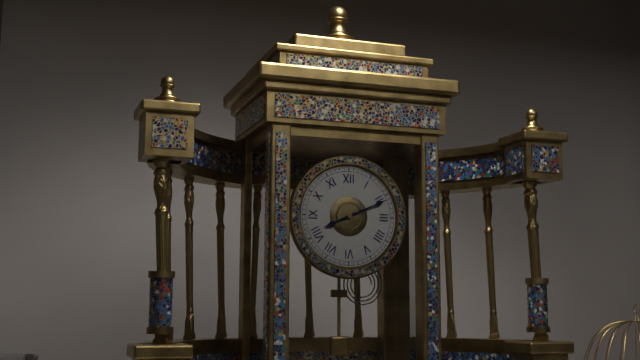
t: h=8 m=11
